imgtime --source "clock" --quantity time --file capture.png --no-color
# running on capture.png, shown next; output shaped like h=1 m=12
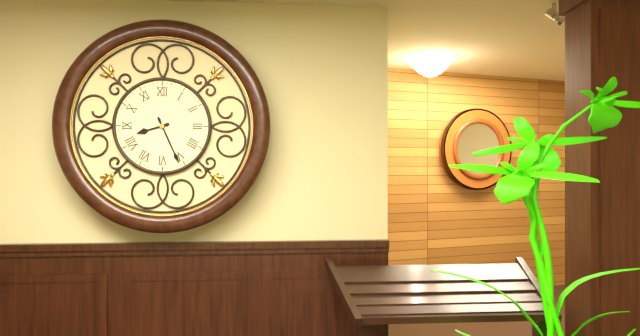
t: h=8 m=26
